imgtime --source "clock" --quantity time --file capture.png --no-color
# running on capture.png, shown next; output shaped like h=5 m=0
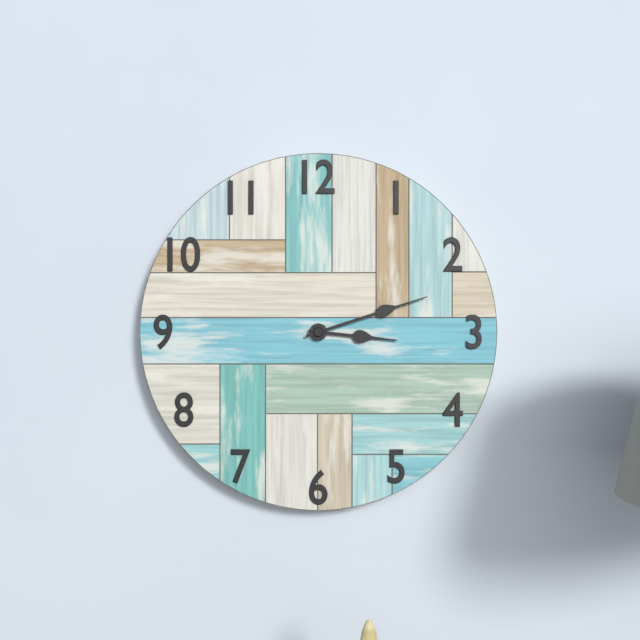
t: h=3 m=12
